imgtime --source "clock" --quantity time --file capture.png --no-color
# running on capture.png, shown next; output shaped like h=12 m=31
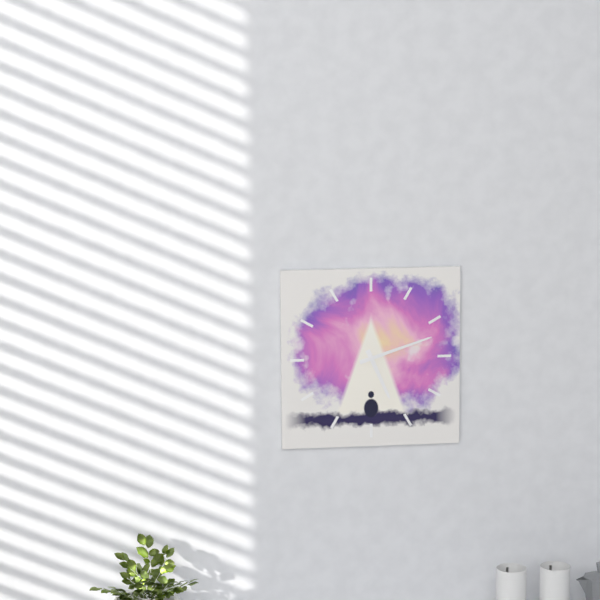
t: h=5 m=12
